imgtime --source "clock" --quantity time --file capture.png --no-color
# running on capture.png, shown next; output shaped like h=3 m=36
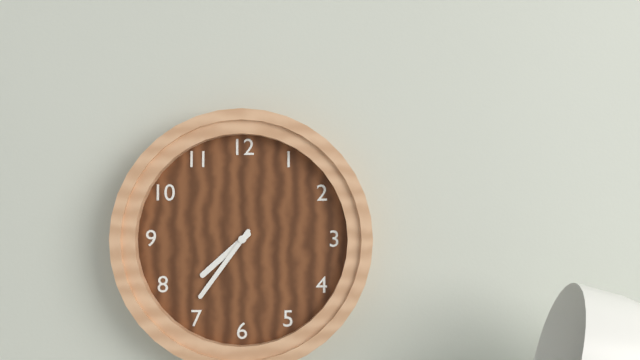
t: h=7 m=36
